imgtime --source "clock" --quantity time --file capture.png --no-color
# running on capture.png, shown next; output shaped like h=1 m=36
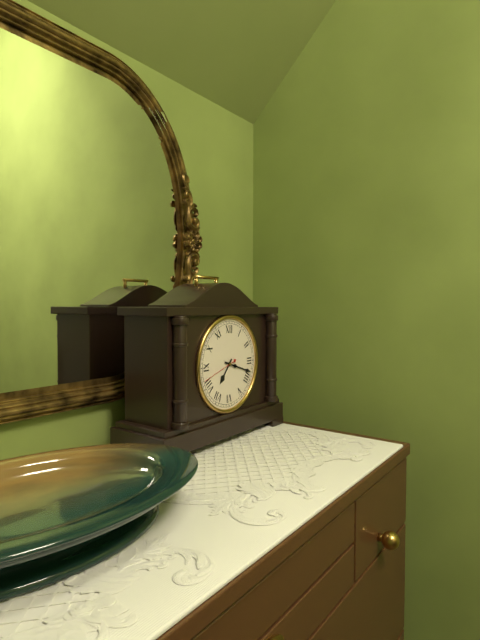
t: h=7 m=18
